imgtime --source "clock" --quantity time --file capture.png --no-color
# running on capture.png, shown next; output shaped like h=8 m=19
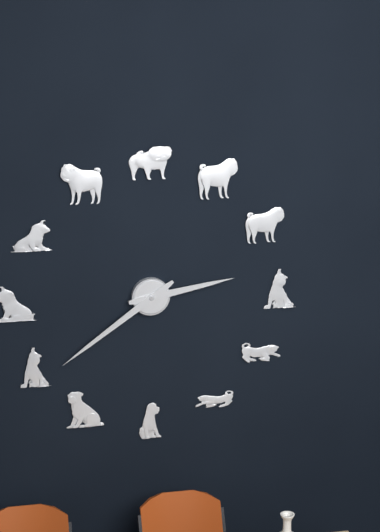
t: h=2 m=39
